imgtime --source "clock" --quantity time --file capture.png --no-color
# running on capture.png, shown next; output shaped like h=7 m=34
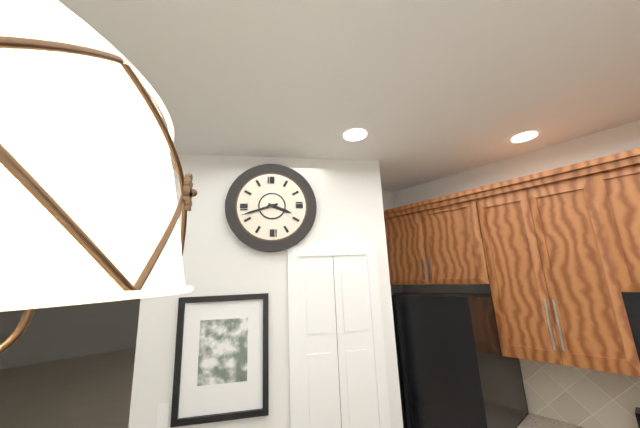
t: h=3 m=42
